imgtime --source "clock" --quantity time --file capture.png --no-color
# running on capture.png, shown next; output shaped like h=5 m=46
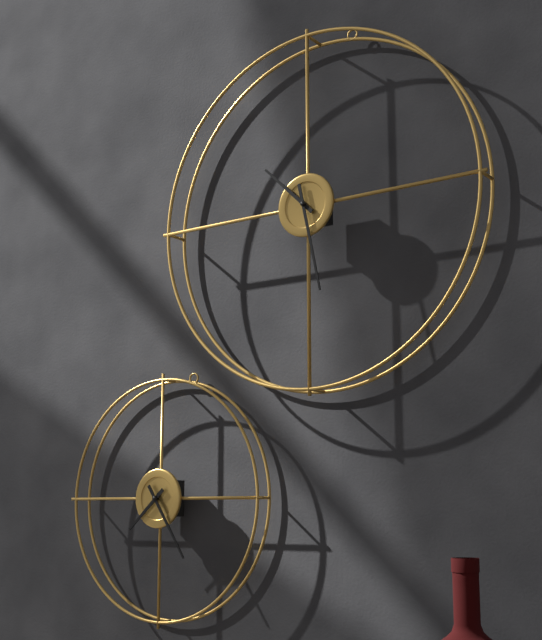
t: h=10 m=28
